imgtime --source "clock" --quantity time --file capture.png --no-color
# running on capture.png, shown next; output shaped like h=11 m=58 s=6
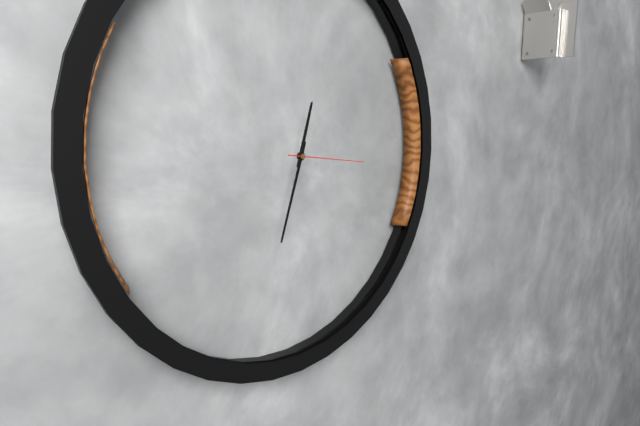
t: h=12 m=33 s=16
